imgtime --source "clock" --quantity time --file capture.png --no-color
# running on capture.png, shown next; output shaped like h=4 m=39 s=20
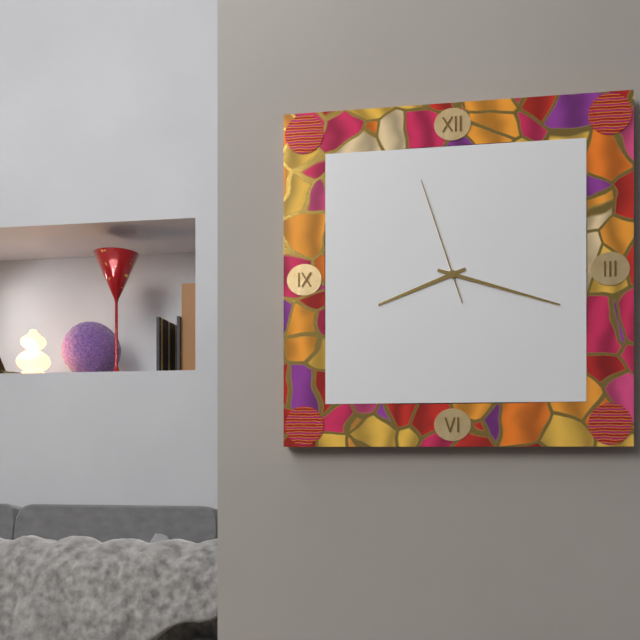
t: h=8 m=18 s=57
